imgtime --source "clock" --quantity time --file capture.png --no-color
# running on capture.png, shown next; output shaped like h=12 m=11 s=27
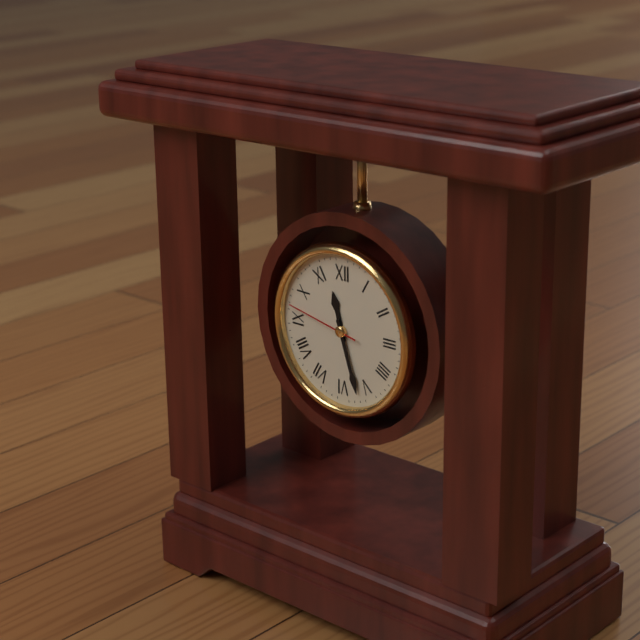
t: h=11 m=27 s=47
